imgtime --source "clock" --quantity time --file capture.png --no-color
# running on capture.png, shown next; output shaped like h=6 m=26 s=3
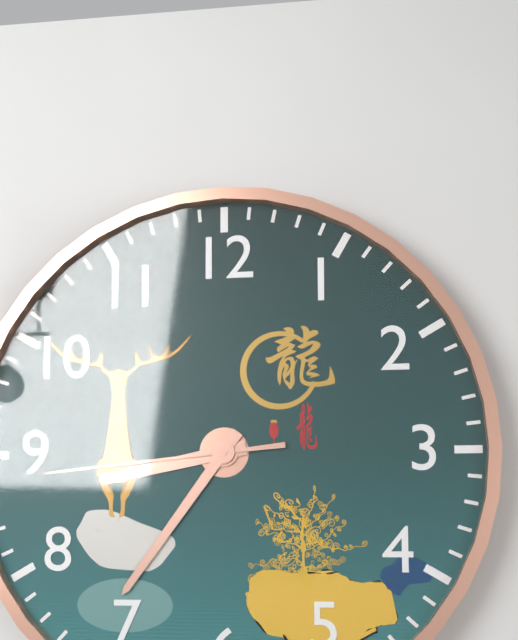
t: h=8 m=36 s=44
